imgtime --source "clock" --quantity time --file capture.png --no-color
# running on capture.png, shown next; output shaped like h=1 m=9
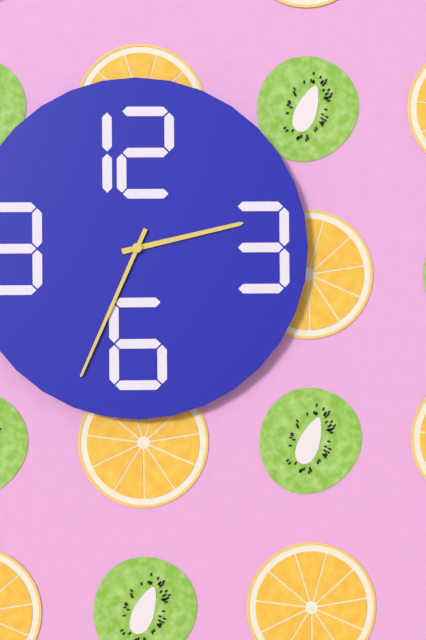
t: h=2 m=34
